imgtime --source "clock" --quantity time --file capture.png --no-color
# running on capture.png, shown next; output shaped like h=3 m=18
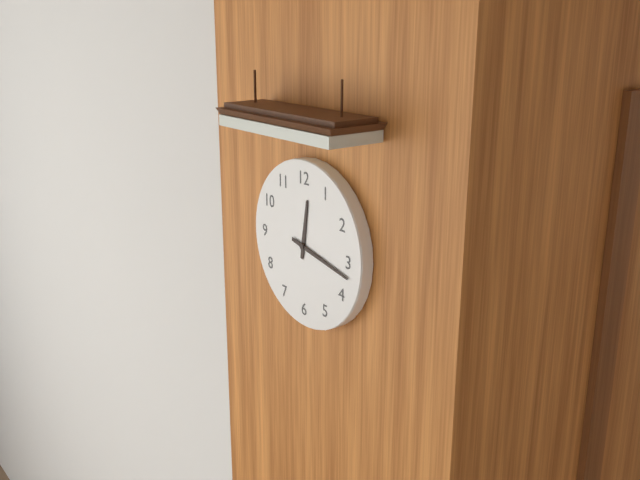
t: h=12 m=17
